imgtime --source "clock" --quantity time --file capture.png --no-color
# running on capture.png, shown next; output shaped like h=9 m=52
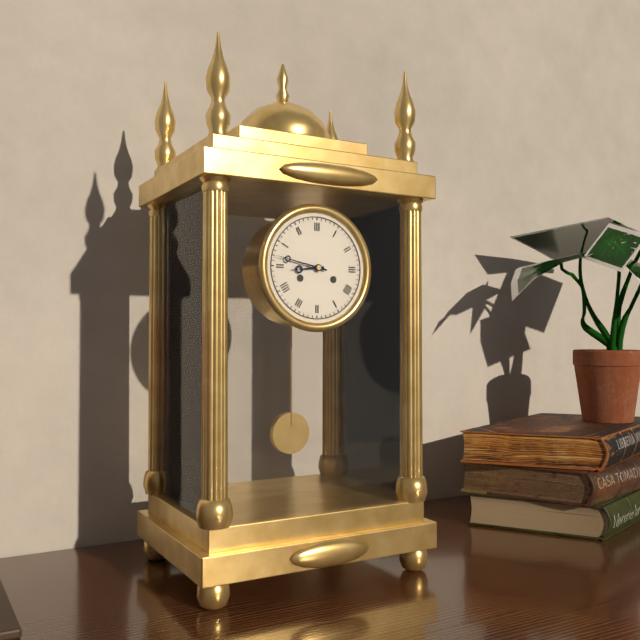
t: h=8 m=47
